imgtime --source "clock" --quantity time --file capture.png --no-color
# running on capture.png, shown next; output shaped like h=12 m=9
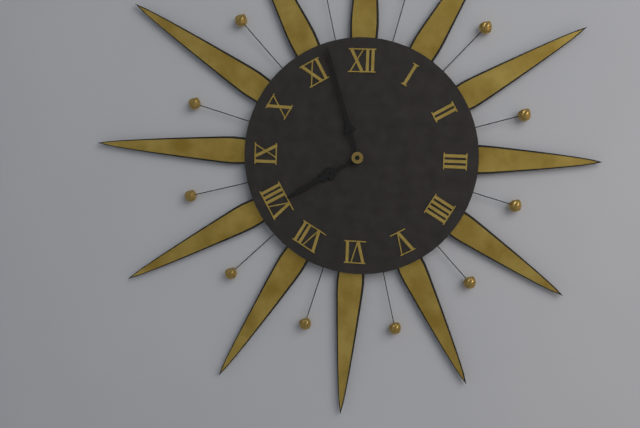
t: h=7 m=57
